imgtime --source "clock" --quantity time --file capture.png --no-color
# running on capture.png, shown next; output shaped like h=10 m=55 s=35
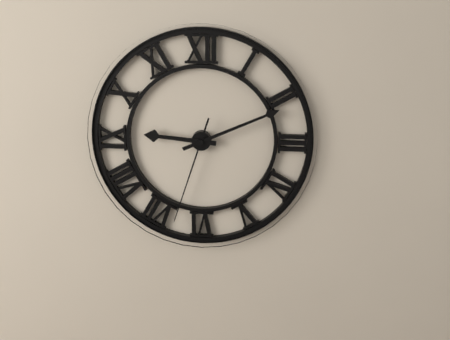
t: h=9 m=11 s=33
